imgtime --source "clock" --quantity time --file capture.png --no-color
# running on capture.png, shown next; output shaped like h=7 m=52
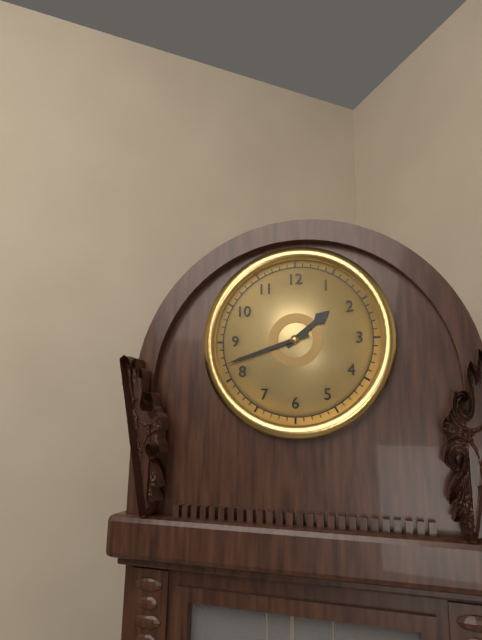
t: h=1 m=42
